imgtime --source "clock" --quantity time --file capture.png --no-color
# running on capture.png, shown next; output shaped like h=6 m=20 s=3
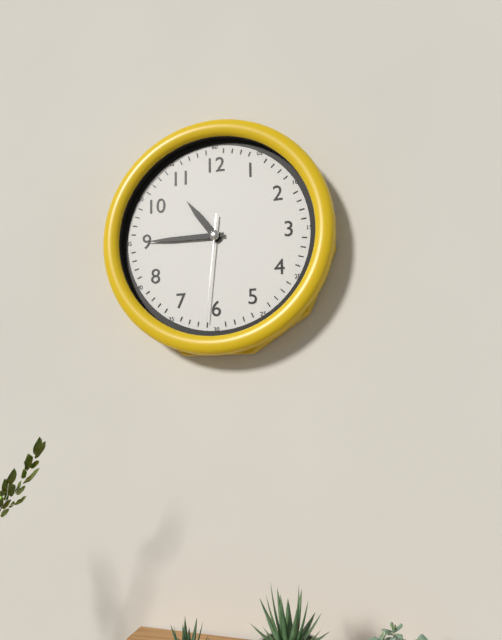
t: h=10 m=45 s=31
